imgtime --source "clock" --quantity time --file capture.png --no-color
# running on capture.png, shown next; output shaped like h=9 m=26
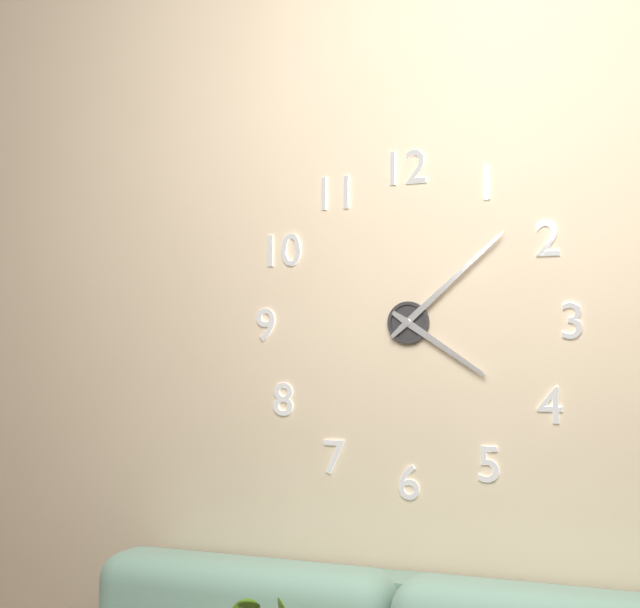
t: h=4 m=8
